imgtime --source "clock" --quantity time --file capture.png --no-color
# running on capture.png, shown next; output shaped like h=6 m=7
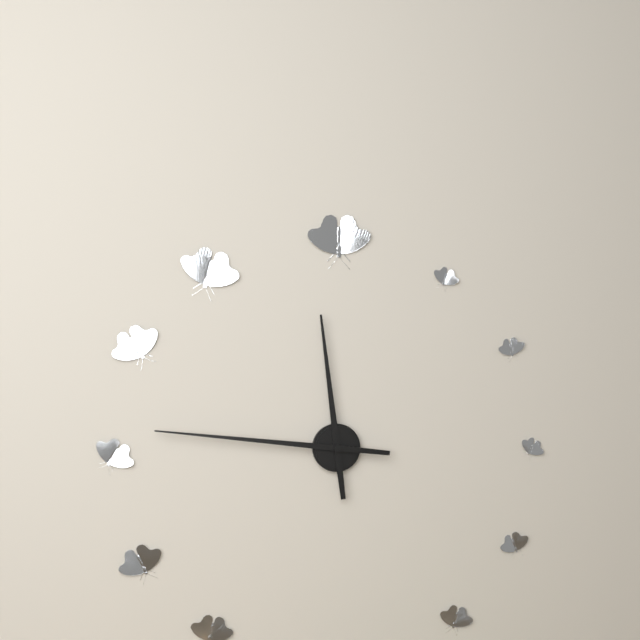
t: h=11 m=46
